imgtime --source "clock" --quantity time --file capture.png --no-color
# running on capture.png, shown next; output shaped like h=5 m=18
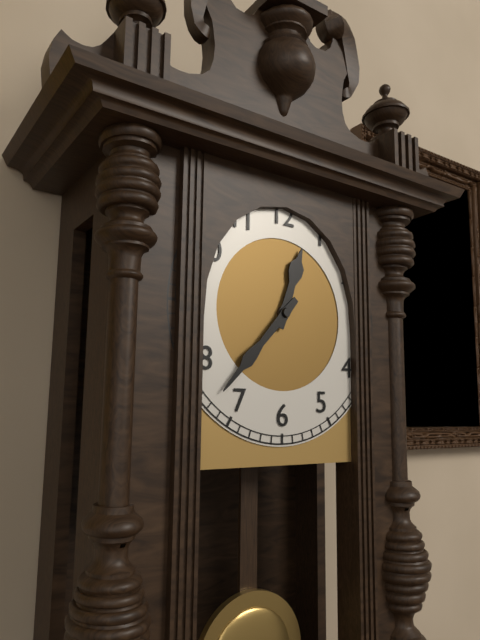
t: h=12 m=37
